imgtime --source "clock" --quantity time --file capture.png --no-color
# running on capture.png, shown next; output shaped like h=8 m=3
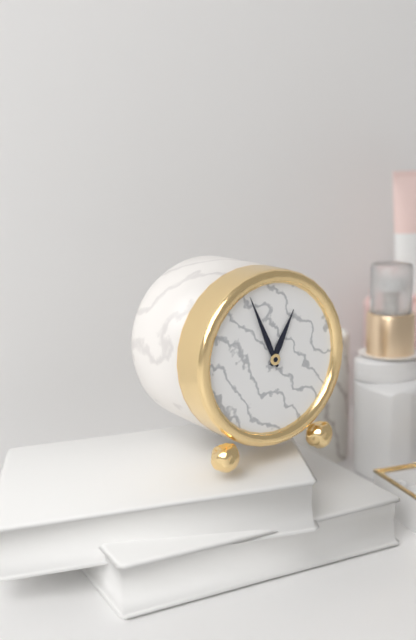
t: h=12 m=56
